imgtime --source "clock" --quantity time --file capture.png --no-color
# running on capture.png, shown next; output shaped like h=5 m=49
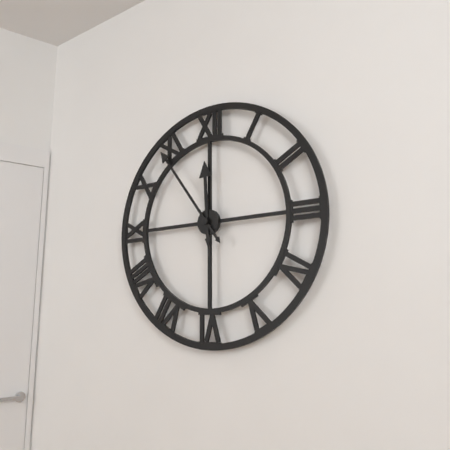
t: h=11 m=54
